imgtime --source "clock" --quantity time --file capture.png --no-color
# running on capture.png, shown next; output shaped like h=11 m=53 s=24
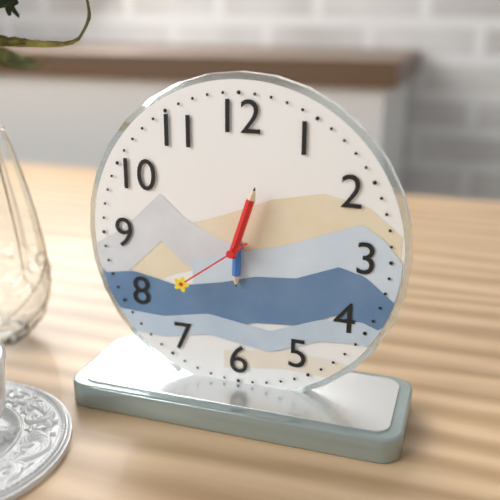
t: h=6 m=3 s=39
